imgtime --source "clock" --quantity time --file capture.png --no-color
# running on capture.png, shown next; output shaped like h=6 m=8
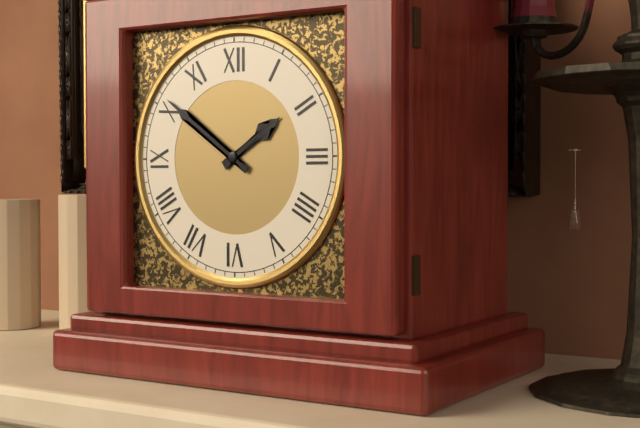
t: h=1 m=51
